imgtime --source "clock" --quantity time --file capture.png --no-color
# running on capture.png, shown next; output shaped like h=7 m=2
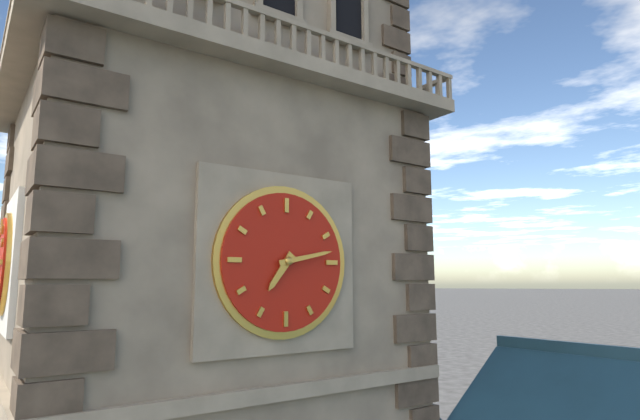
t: h=7 m=13
